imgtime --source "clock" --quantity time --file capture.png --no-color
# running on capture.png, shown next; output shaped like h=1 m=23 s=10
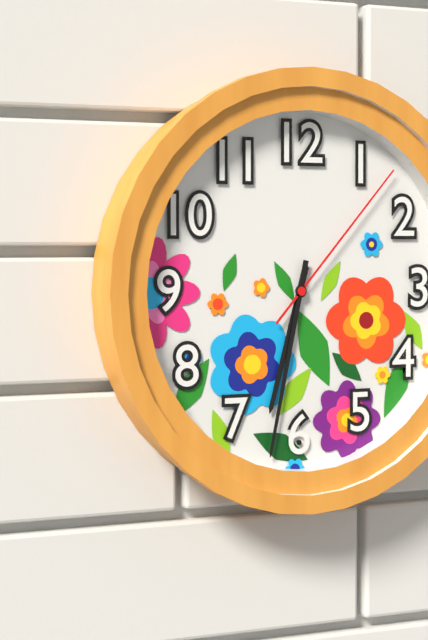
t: h=6 m=32 s=7
